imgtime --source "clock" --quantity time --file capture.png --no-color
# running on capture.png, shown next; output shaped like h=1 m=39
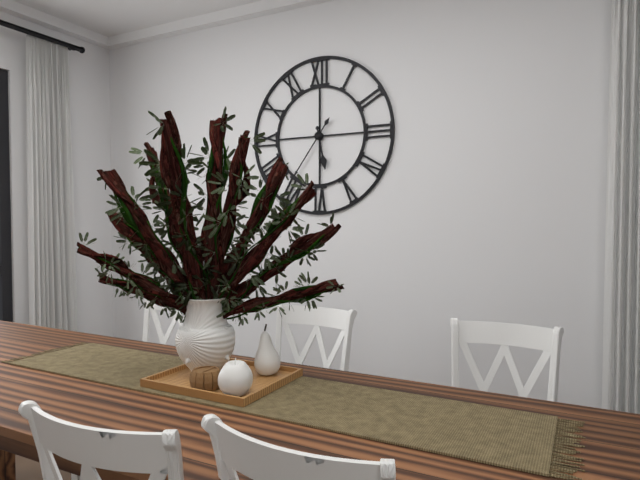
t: h=5 m=36
